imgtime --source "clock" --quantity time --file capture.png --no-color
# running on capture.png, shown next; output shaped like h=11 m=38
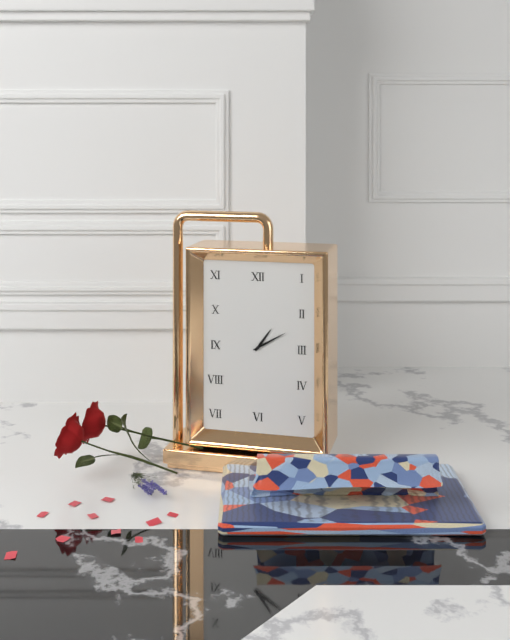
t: h=1 m=10
